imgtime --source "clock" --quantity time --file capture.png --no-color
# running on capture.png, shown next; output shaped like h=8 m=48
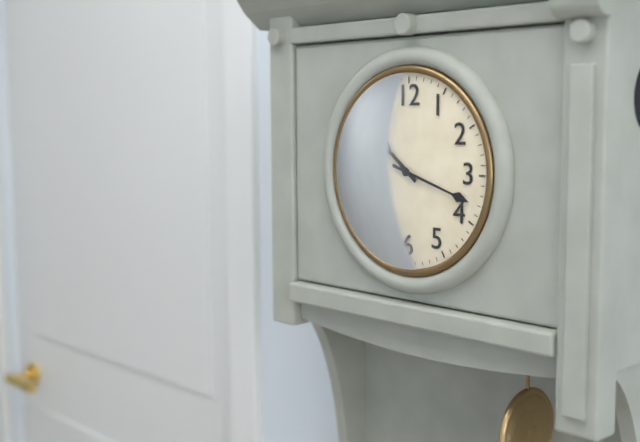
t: h=10 m=18
